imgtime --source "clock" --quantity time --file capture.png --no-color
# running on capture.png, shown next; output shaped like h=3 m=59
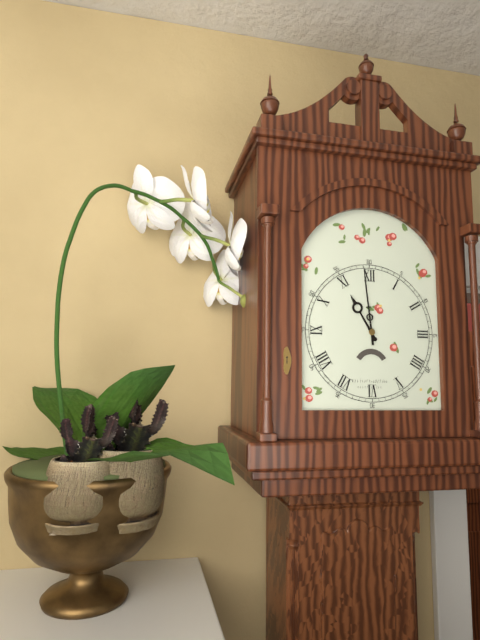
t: h=10 m=59
